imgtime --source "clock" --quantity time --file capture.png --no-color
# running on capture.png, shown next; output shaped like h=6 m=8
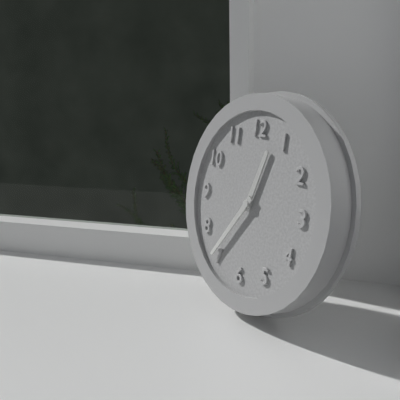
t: h=12 m=36
